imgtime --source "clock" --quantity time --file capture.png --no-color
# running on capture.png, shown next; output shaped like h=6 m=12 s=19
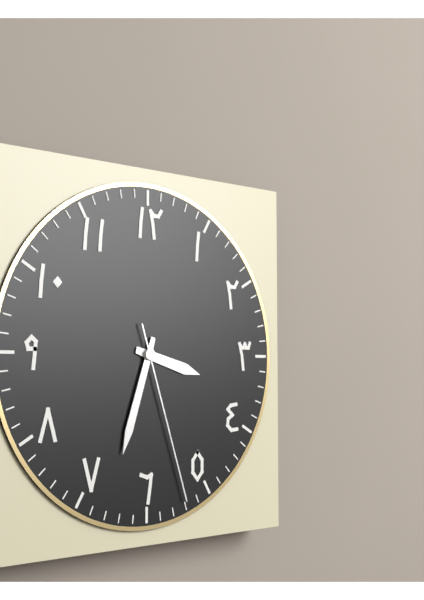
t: h=3 m=33 s=27
